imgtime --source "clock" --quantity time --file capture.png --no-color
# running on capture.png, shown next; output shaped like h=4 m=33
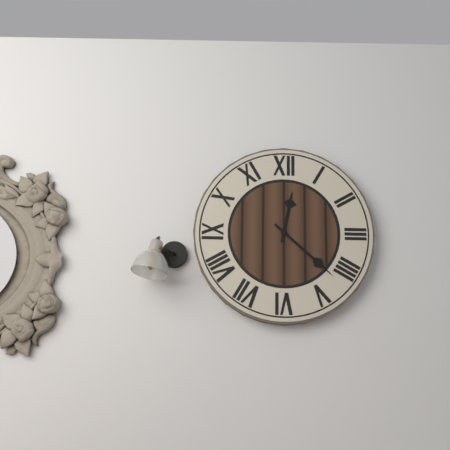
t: h=12 m=22
